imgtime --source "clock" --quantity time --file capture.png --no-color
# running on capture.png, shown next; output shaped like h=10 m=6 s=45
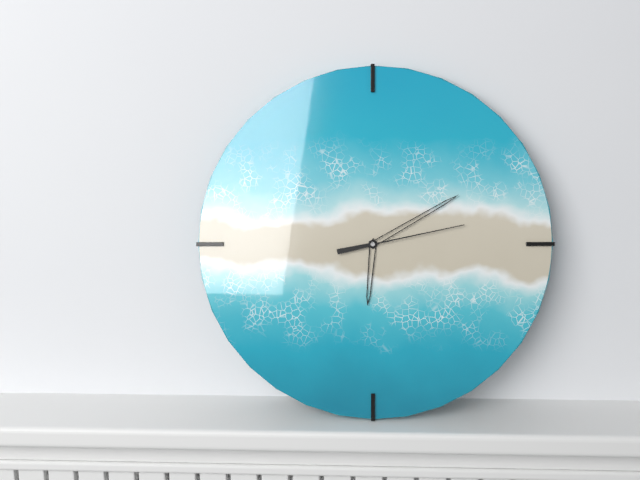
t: h=6 m=10 s=13
